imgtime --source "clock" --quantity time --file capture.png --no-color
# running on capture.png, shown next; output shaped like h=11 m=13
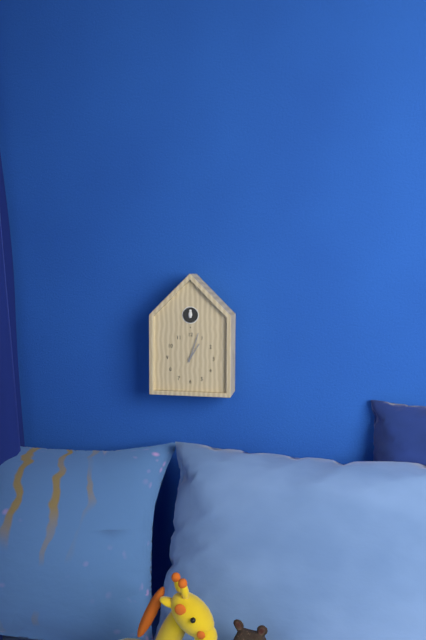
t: h=1 m=3
